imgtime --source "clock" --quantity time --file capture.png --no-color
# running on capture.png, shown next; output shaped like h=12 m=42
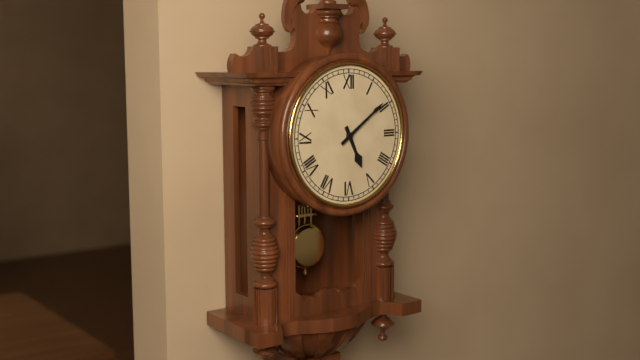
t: h=5 m=9
